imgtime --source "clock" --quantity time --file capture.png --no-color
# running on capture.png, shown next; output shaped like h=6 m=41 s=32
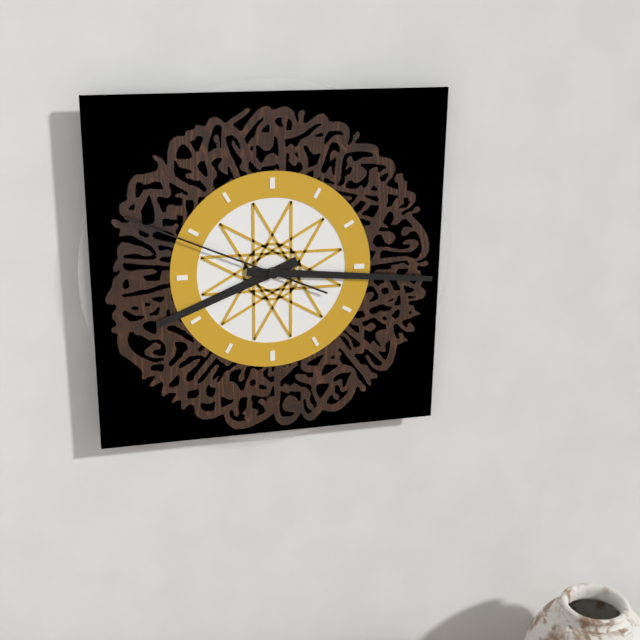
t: h=8 m=16 s=49
